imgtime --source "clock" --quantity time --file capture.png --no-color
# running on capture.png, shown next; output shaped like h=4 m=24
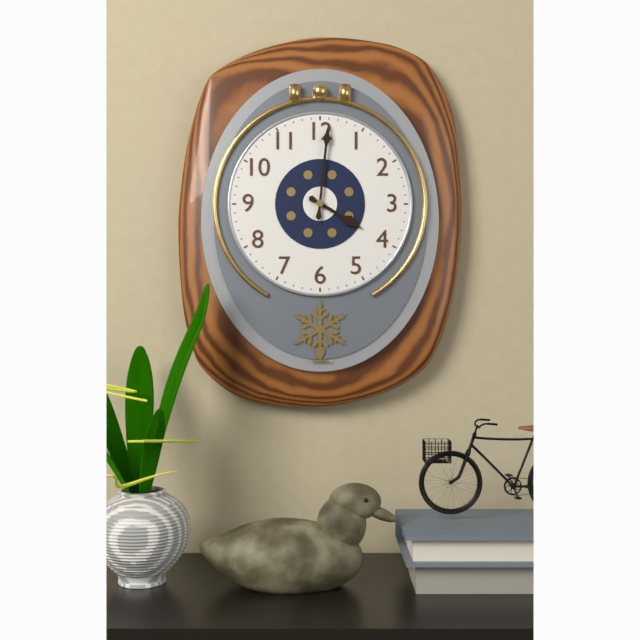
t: h=4 m=1
